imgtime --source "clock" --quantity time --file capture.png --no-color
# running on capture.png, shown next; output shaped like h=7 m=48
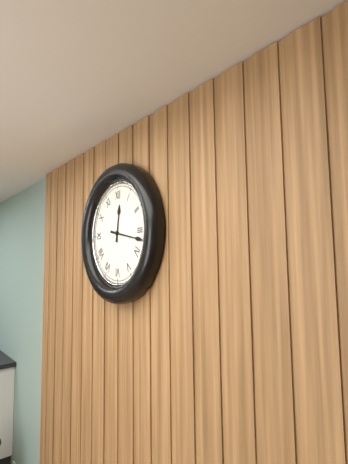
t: h=12 m=17
